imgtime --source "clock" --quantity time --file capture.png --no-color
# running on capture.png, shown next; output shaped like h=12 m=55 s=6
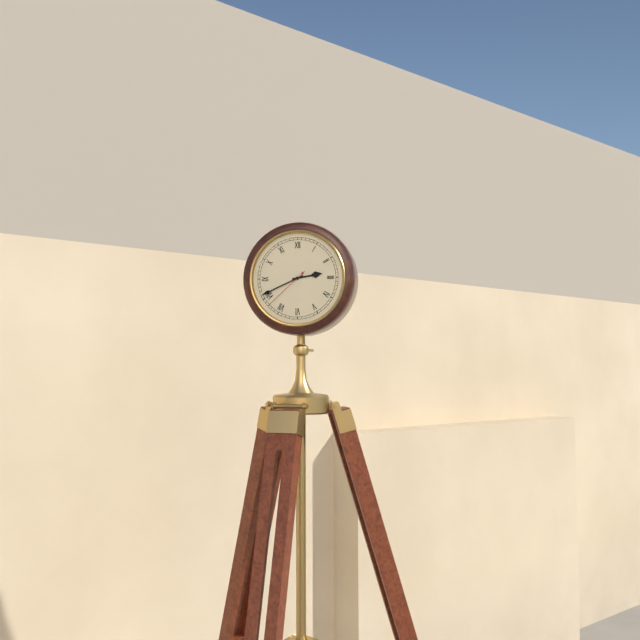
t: h=2 m=41 s=38
